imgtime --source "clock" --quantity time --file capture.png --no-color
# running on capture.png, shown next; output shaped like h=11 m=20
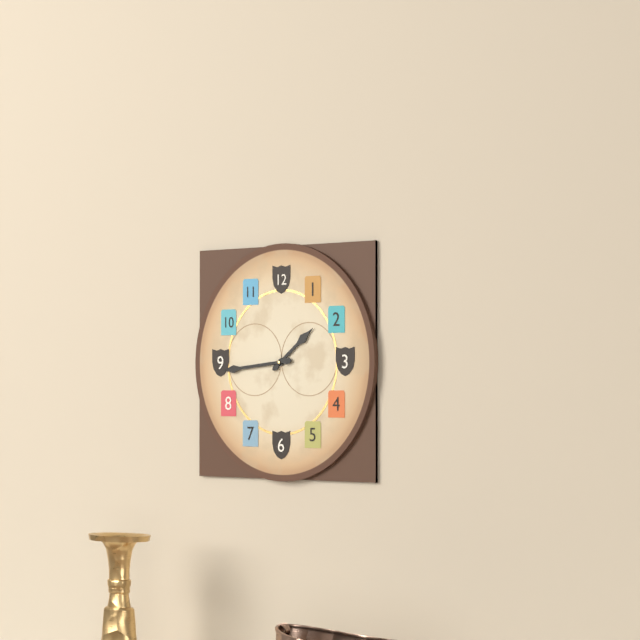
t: h=1 m=44
